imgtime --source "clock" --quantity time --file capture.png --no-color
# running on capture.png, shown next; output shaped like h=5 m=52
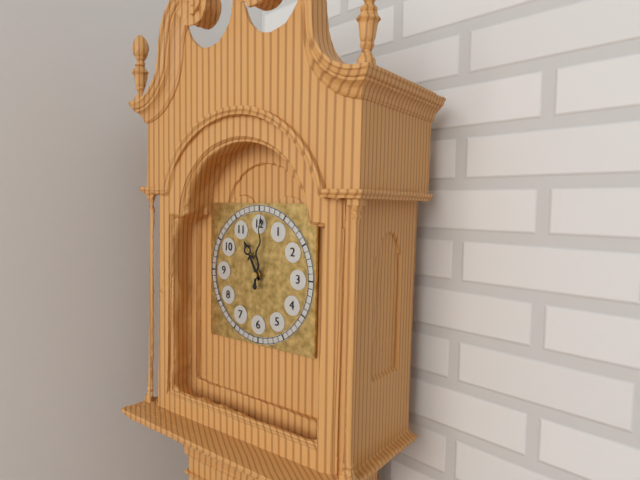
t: h=11 m=1
